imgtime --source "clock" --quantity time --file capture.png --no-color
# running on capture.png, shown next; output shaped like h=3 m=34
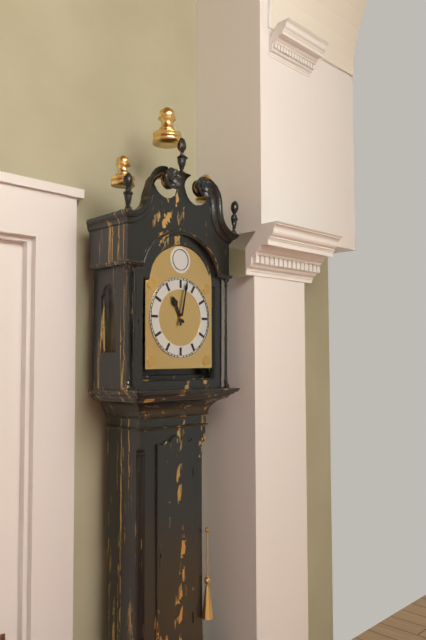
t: h=11 m=2
